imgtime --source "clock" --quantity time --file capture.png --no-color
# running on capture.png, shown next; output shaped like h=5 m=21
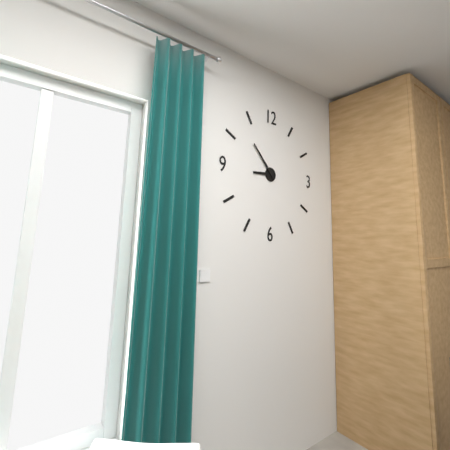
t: h=8 m=53
